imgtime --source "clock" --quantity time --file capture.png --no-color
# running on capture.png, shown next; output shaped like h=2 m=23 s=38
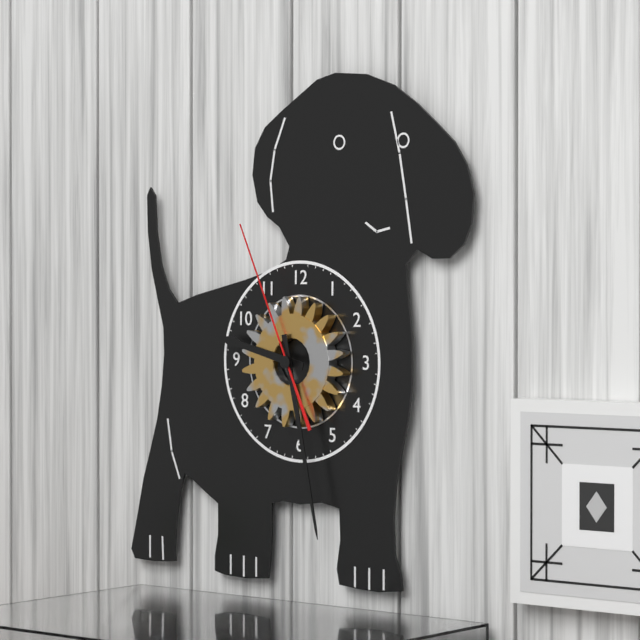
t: h=9 m=28 s=56
